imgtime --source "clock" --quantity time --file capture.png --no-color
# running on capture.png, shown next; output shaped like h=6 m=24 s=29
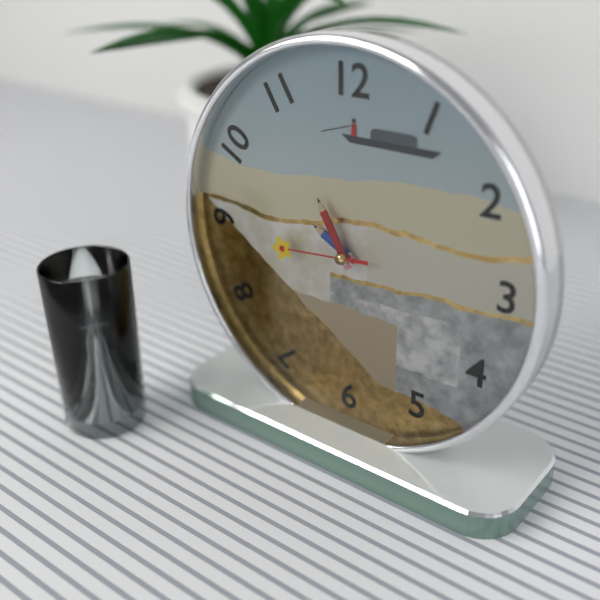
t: h=9 m=55 s=44
